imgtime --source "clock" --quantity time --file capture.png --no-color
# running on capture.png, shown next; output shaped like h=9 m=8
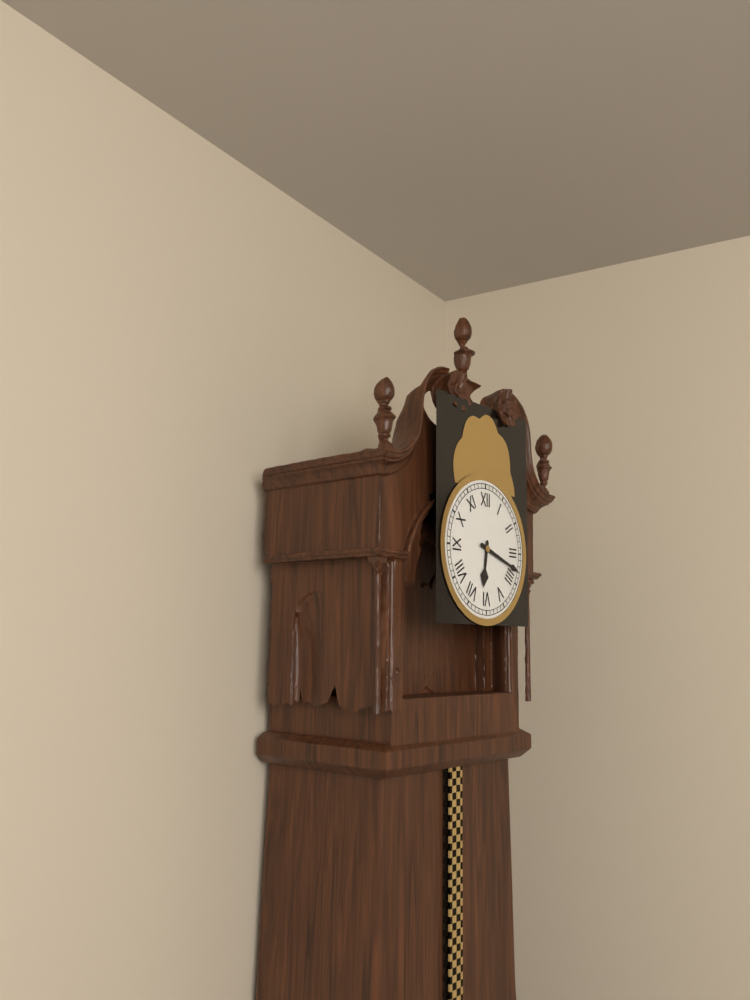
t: h=6 m=18
